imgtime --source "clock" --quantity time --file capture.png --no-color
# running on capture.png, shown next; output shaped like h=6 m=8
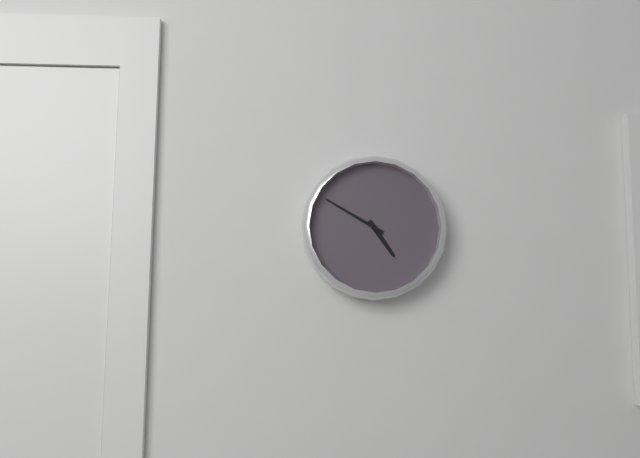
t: h=4 m=50
